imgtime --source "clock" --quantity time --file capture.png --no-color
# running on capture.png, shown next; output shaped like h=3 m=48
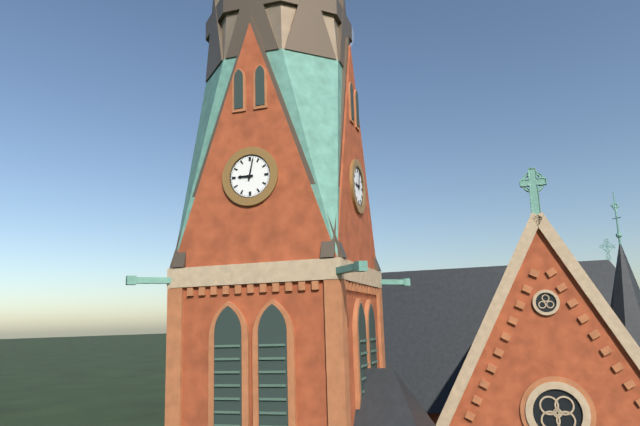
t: h=9 m=2
